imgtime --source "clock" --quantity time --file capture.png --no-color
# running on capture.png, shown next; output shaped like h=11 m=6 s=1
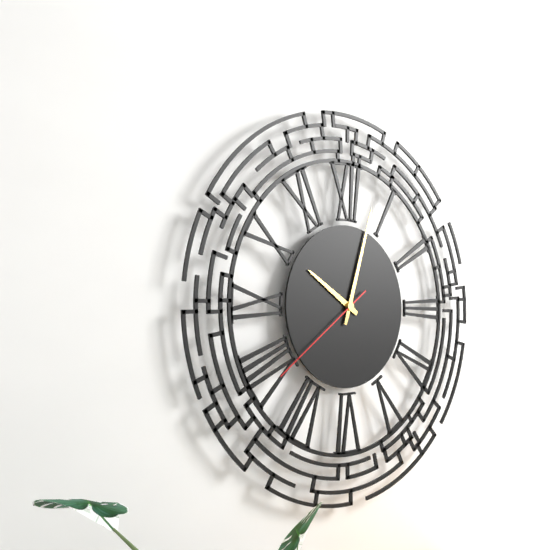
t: h=10 m=3 s=39
